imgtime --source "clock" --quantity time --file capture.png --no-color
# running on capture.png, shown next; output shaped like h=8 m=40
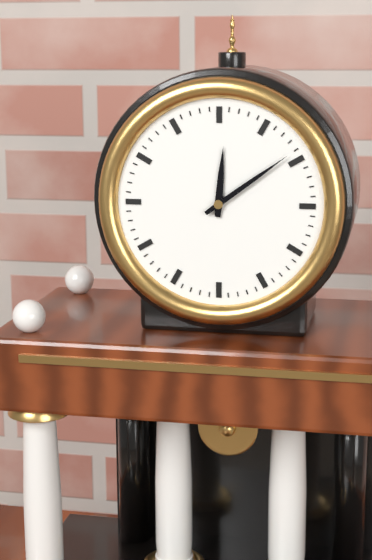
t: h=12 m=9
